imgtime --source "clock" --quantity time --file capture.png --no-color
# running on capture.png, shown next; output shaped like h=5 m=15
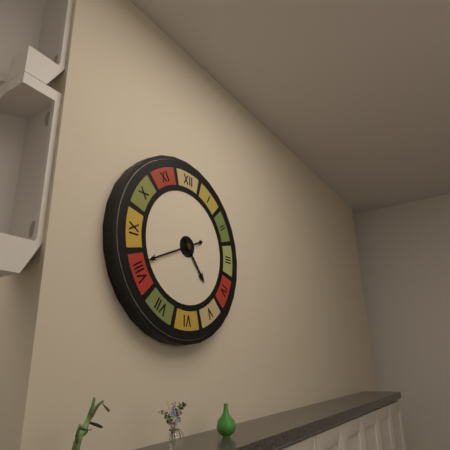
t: h=4 m=41
